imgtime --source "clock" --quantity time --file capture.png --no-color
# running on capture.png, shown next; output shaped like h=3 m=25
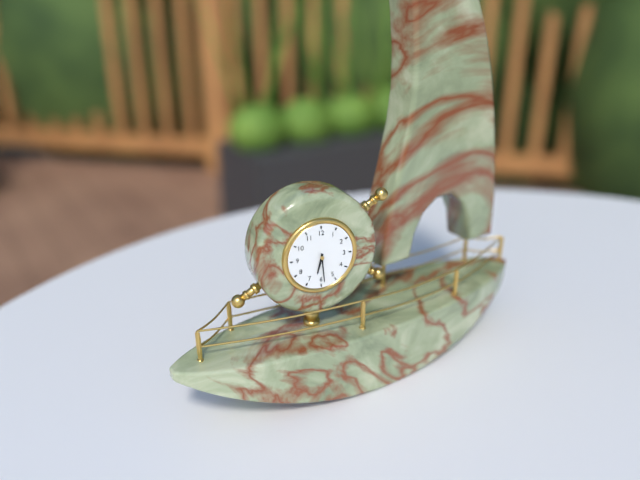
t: h=6 m=29
